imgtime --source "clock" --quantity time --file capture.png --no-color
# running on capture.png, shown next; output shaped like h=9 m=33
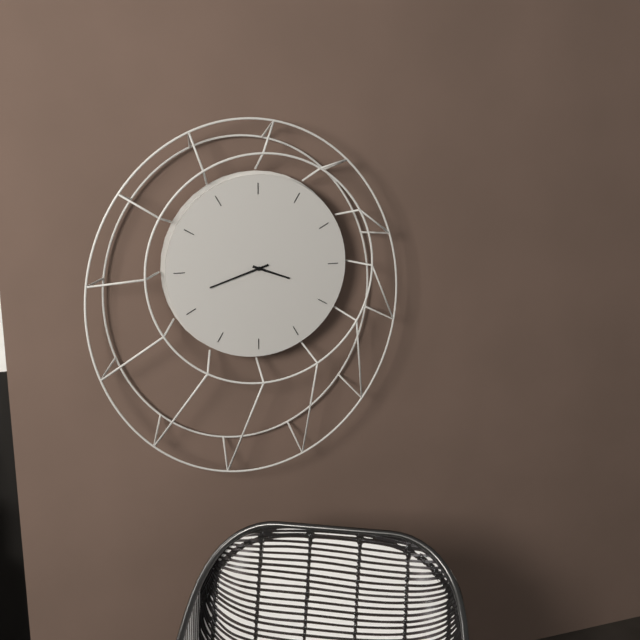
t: h=3 m=42
